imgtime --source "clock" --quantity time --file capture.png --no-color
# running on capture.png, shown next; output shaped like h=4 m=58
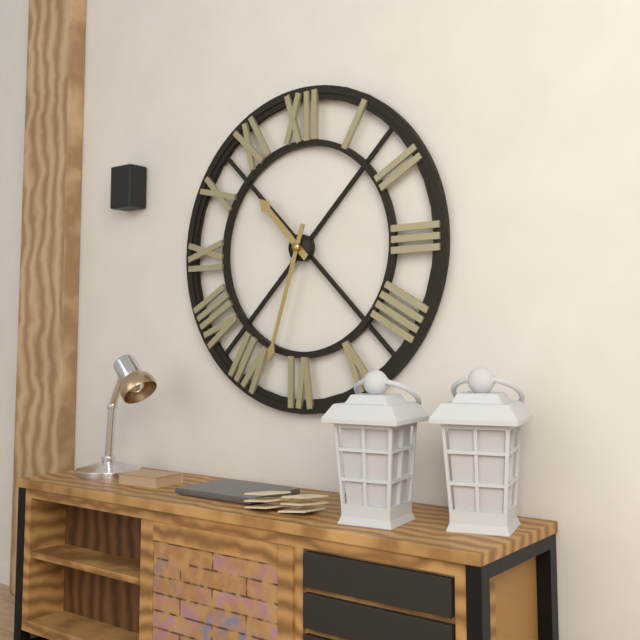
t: h=10 m=33
